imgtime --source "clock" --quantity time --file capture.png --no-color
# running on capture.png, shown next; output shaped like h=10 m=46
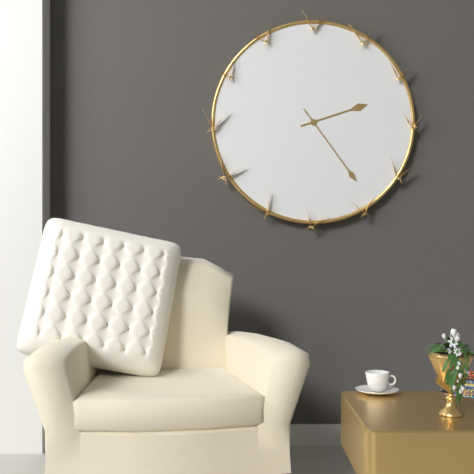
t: h=2 m=24
